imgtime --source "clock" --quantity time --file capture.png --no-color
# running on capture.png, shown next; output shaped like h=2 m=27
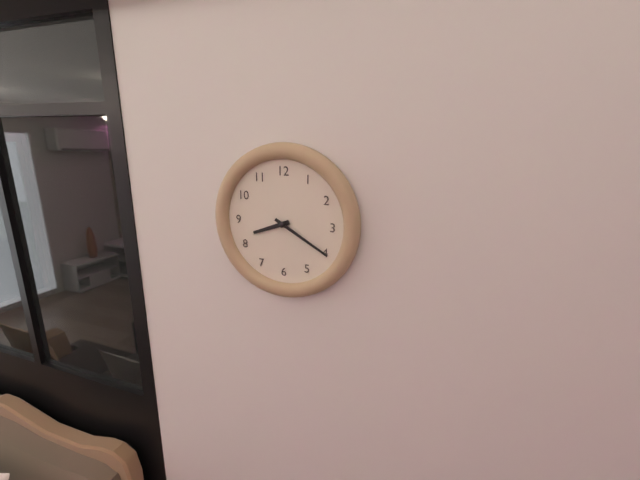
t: h=8 m=20
